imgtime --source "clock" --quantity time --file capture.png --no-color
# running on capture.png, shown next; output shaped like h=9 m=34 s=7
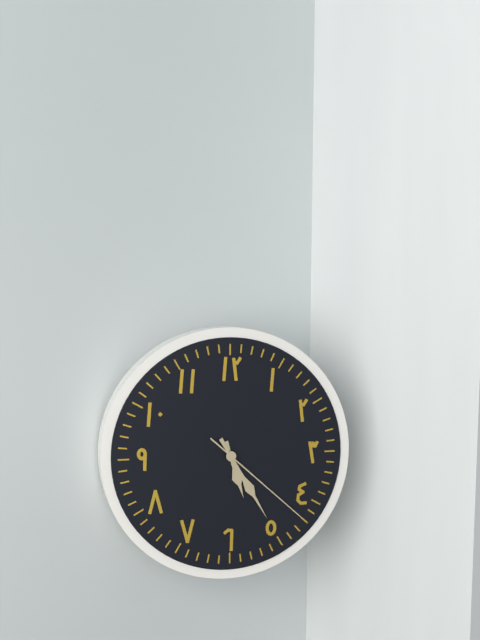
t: h=5 m=25 s=22
